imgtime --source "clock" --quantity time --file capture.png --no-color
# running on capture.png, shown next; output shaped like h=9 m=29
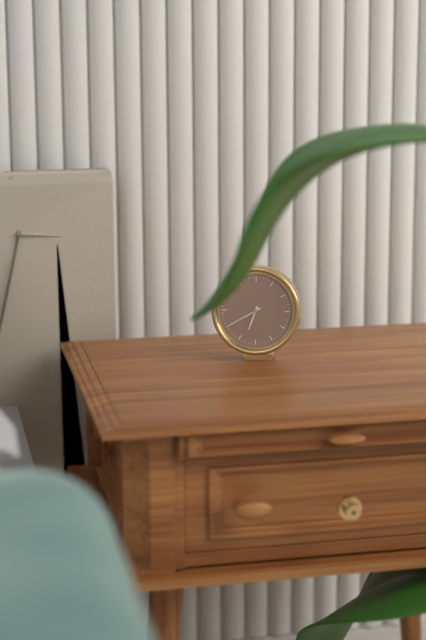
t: h=6 m=40
